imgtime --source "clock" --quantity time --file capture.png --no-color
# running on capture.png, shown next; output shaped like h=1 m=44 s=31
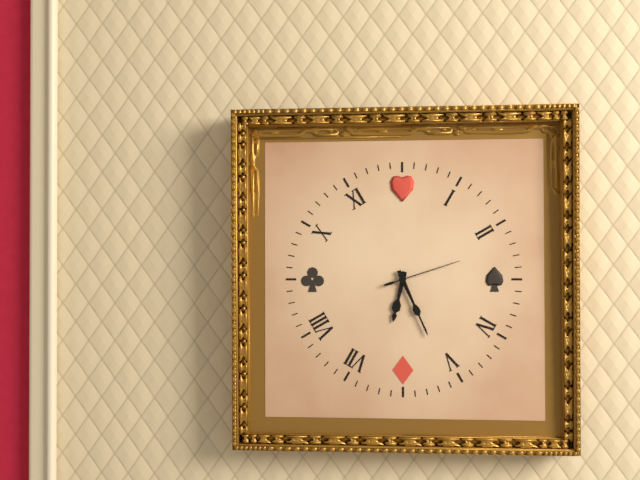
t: h=6 m=26 s=12
